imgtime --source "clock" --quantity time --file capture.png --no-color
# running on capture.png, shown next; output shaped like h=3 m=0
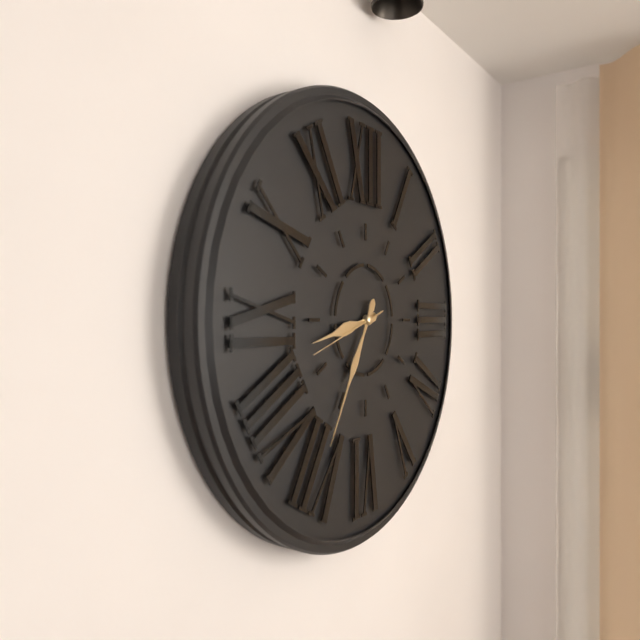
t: h=8 m=35
